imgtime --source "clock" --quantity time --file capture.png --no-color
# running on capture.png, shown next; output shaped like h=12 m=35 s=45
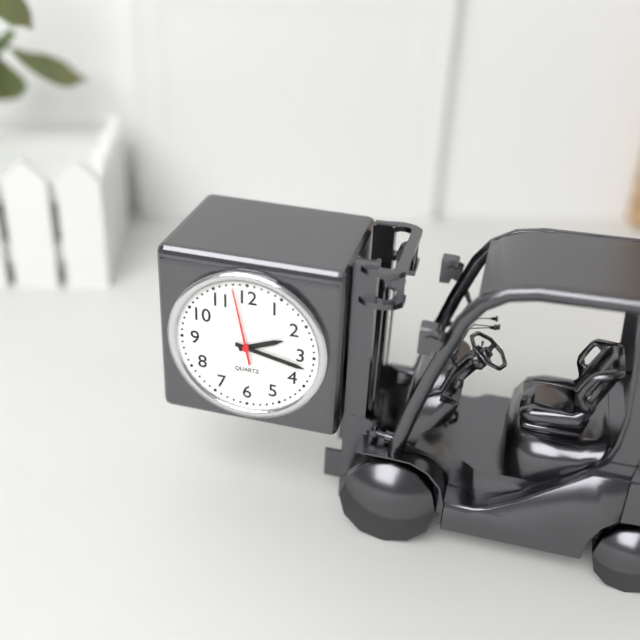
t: h=2 m=17 s=58
